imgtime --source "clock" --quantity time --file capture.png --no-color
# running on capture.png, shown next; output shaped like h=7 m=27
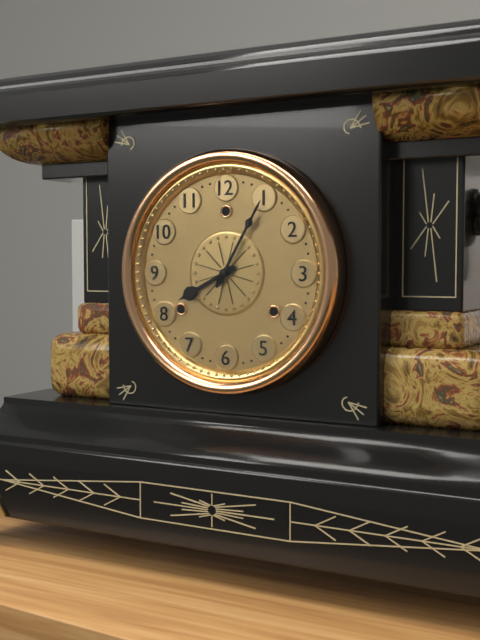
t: h=8 m=5
